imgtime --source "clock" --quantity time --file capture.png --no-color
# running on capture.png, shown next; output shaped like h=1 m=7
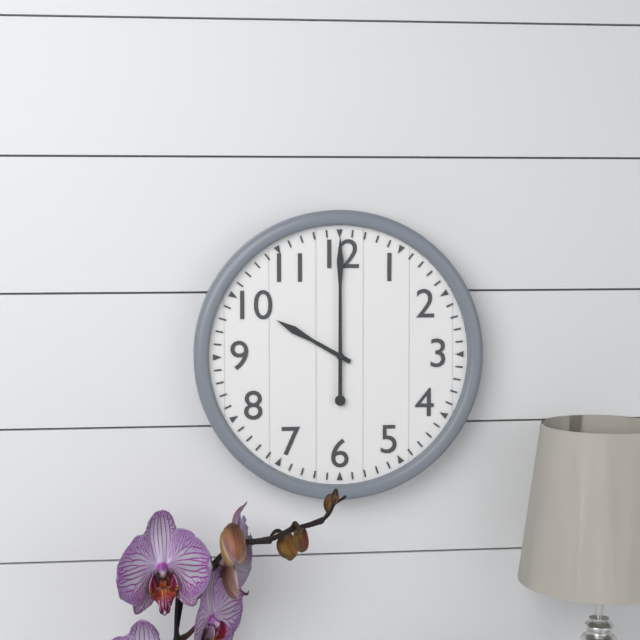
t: h=10 m=0
